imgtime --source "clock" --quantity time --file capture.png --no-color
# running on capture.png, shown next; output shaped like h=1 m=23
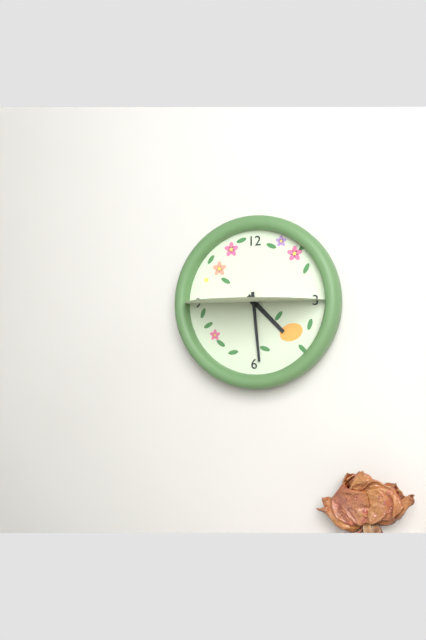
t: h=4 m=29
